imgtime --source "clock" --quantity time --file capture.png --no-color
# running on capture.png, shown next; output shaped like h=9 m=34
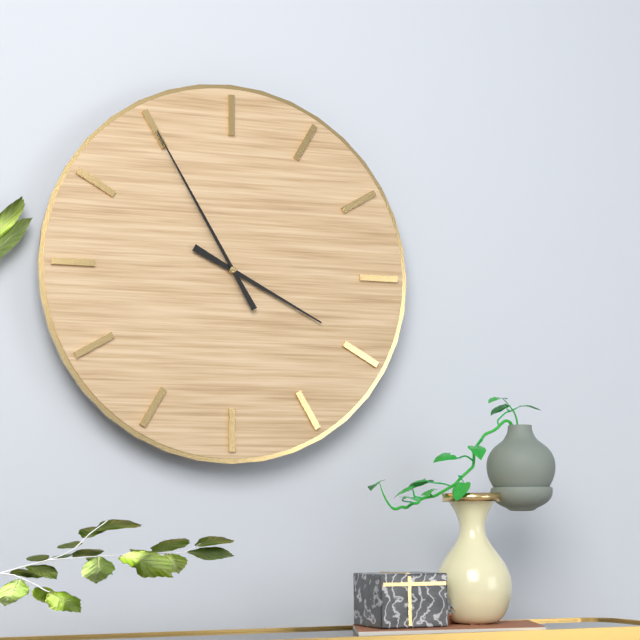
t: h=3 m=55
